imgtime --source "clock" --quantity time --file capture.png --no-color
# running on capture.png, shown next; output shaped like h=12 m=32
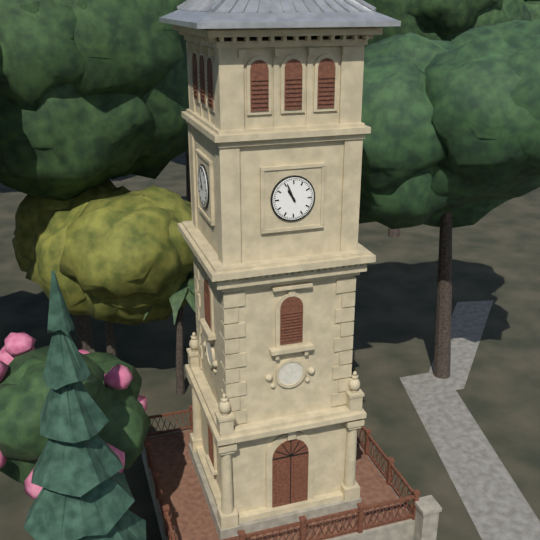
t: h=10 m=56
